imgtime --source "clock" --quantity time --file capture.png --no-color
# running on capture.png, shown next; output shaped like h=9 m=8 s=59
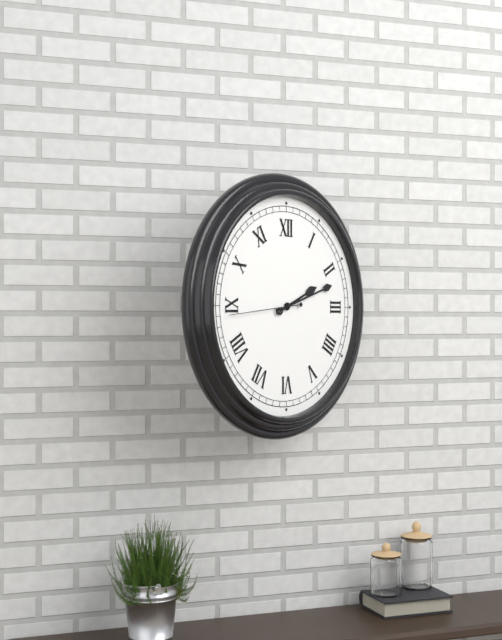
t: h=2 m=12 s=44
